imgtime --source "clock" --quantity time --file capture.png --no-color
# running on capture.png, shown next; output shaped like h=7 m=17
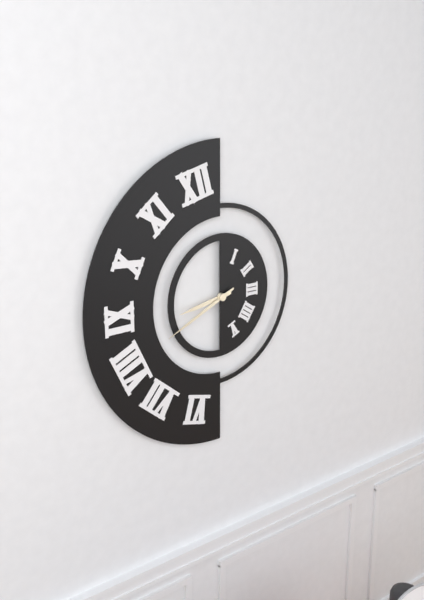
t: h=8 m=41
